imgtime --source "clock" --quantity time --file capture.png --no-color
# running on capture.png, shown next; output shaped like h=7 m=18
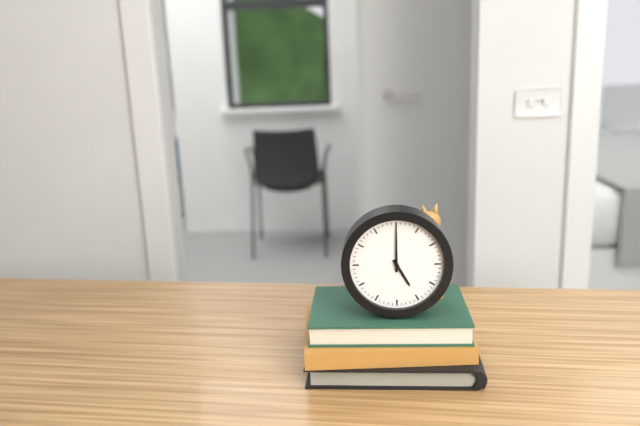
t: h=5 m=0
